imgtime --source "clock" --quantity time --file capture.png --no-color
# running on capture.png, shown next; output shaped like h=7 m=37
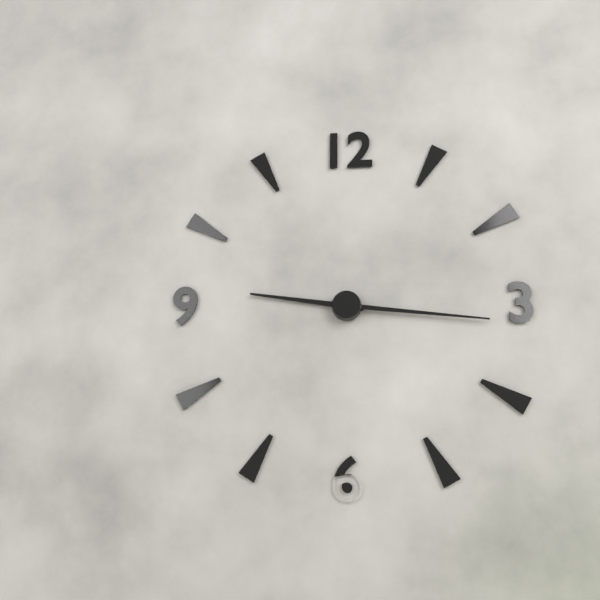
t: h=9 m=16
